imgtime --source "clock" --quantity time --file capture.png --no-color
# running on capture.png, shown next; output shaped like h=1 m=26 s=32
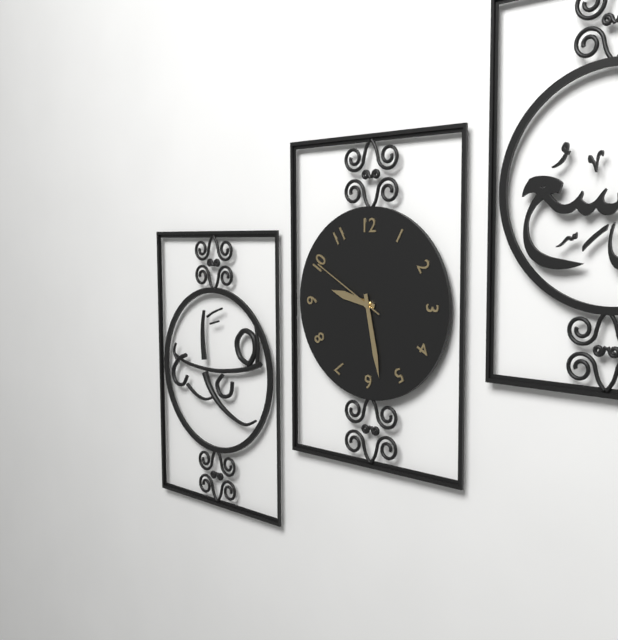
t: h=9 m=28 s=50
